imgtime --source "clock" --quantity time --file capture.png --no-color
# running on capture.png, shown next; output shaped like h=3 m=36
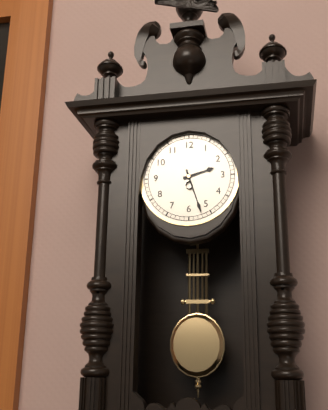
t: h=2 m=27
